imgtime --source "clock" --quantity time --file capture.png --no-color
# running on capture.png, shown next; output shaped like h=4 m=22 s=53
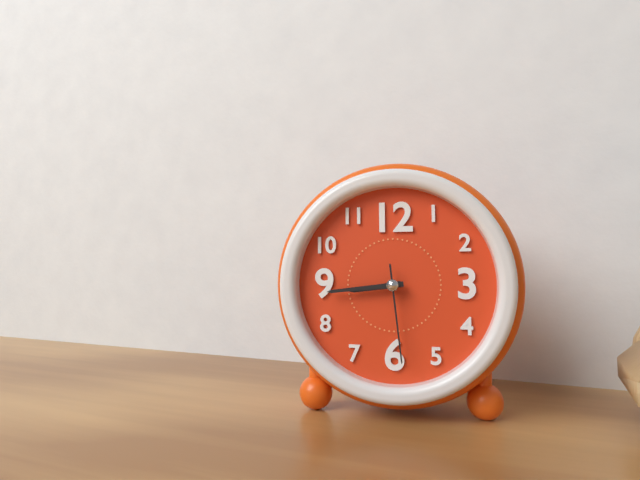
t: h=8 m=44 s=29
